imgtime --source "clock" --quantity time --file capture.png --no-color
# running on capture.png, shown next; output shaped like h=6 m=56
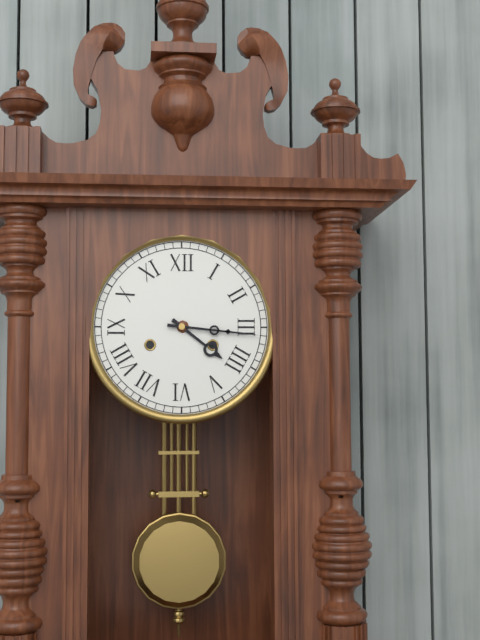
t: h=4 m=16
